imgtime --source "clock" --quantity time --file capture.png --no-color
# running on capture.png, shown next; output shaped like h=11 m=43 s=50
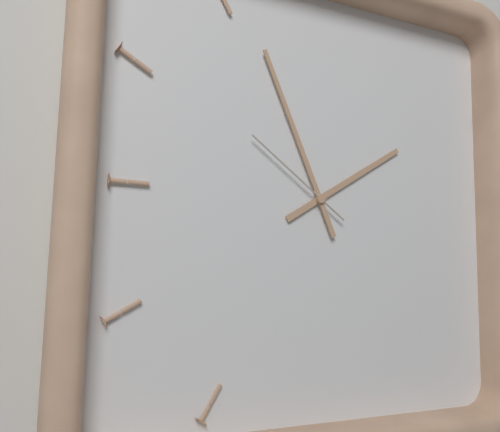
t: h=1 m=56 s=51
